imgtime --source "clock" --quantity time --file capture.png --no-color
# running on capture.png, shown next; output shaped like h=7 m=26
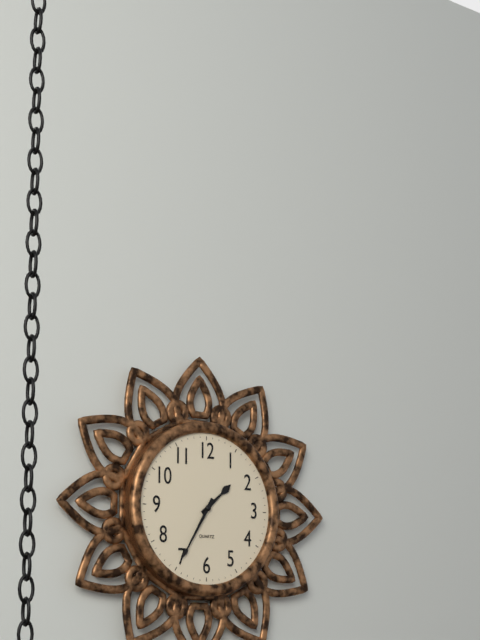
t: h=1 m=35
